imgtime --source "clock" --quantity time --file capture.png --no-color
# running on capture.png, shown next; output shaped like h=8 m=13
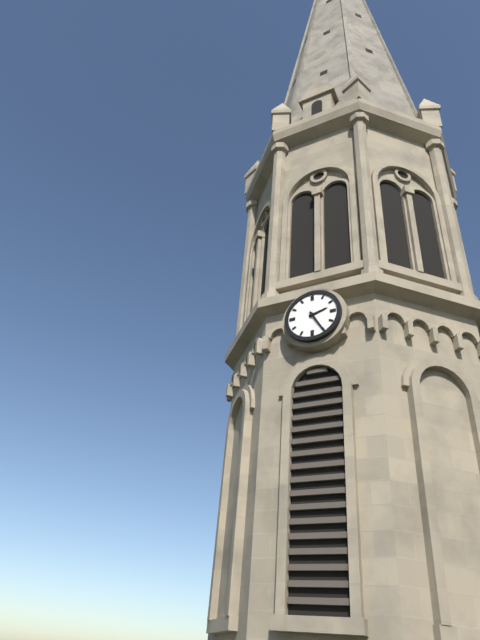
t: h=2 m=25
